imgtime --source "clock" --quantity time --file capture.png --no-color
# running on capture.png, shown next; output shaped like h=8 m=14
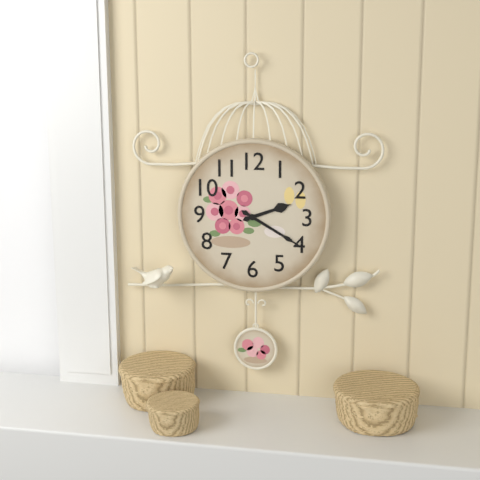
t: h=2 m=20
